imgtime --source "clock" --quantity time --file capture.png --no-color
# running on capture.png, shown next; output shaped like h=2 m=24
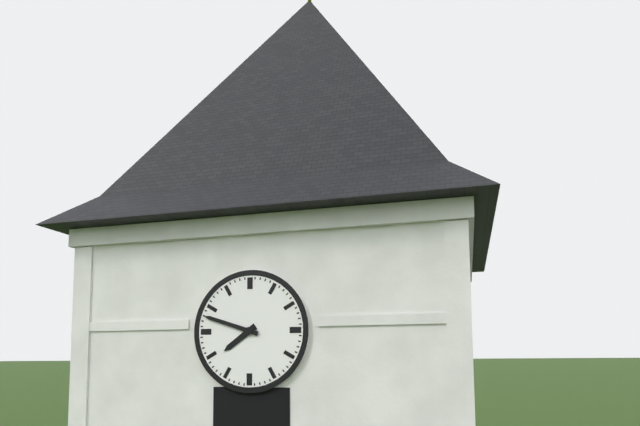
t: h=7 m=48
